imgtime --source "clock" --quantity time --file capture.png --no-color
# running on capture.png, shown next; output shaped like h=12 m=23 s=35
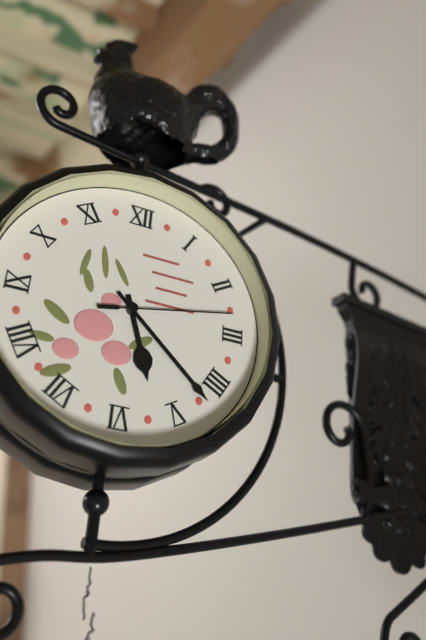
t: h=5 m=22 s=13
